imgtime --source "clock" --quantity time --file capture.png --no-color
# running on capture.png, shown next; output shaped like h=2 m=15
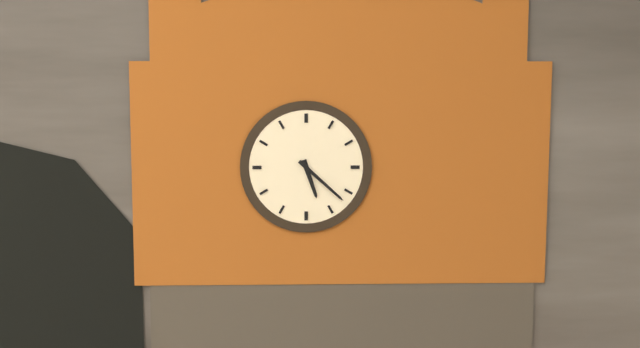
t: h=5 m=22
